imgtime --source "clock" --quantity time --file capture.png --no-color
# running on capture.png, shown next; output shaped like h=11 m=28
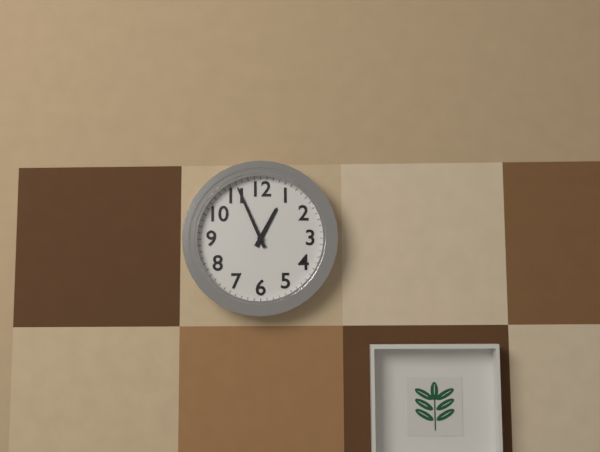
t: h=12 m=56
